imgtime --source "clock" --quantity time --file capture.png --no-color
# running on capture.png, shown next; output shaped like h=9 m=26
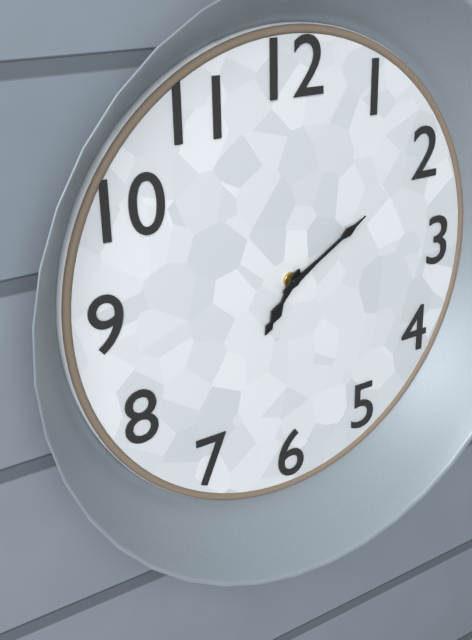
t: h=7 m=10
